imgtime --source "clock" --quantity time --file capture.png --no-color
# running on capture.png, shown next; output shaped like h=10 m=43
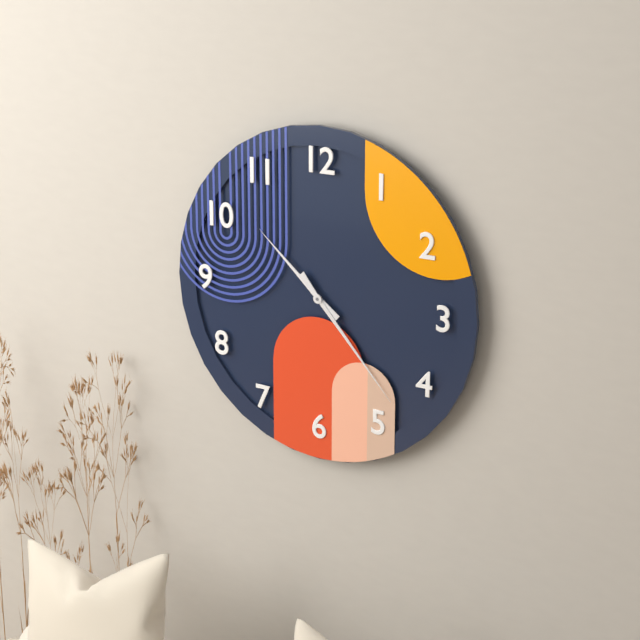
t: h=10 m=23
